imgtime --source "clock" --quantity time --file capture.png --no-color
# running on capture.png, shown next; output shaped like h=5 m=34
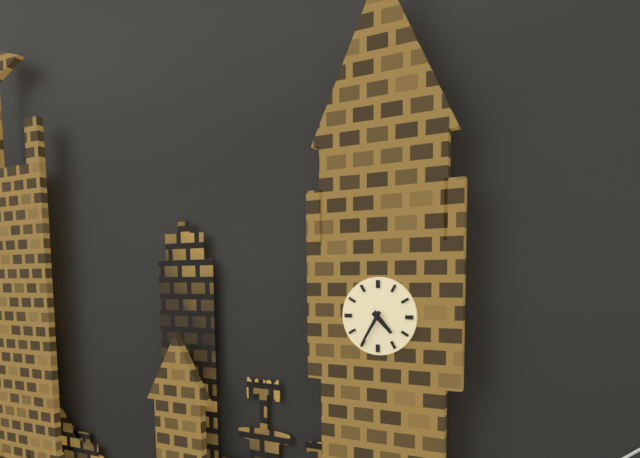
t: h=4 m=35
